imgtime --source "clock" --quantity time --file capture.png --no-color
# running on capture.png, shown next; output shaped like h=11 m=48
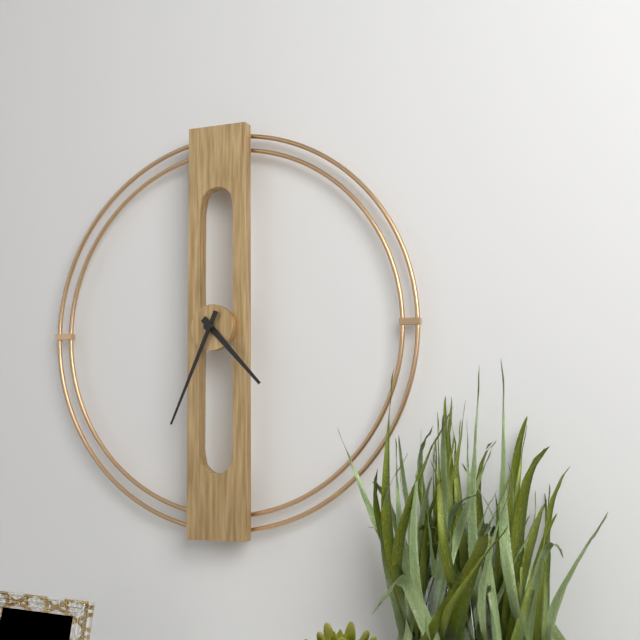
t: h=4 m=34
